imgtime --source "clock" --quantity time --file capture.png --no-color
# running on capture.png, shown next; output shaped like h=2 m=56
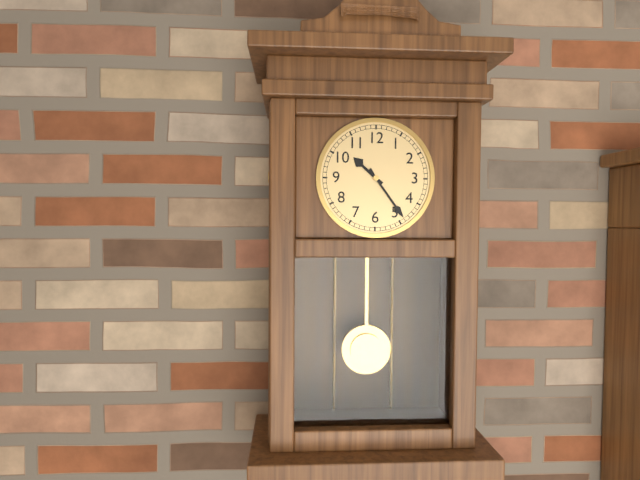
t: h=10 m=24
